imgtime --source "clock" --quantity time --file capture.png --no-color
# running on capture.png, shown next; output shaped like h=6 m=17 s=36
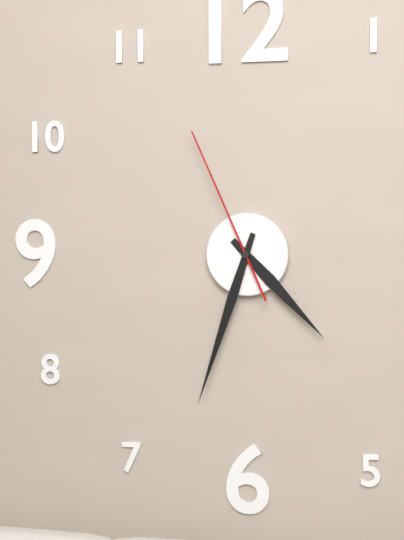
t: h=4 m=33 s=56
